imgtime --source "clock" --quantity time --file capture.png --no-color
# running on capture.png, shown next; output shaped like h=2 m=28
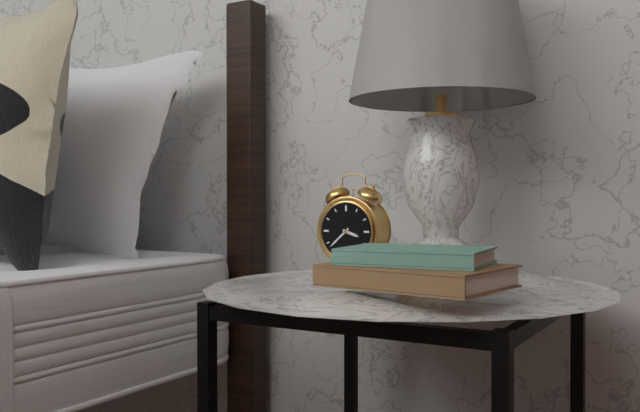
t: h=3 m=38
